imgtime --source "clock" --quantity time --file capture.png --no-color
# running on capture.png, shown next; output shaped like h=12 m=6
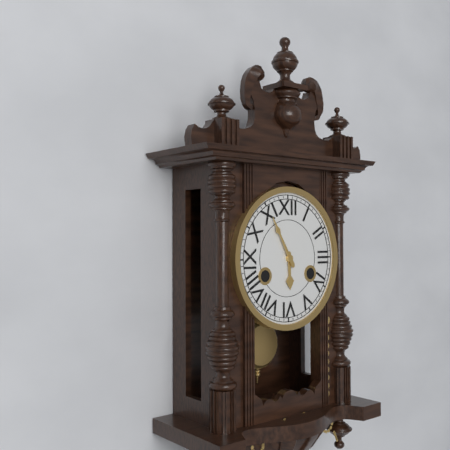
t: h=5 m=55
